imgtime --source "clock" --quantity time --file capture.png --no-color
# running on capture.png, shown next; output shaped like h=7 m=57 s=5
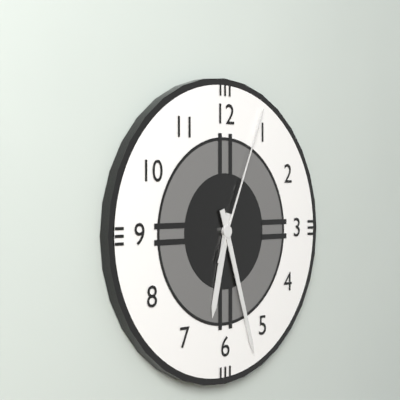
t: h=6 m=27 s=4
